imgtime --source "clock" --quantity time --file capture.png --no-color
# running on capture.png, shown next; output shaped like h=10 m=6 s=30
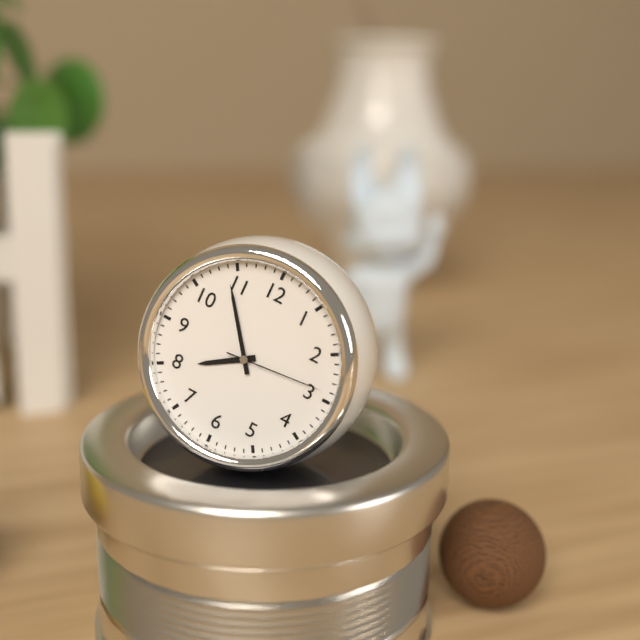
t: h=7 m=54 s=14
